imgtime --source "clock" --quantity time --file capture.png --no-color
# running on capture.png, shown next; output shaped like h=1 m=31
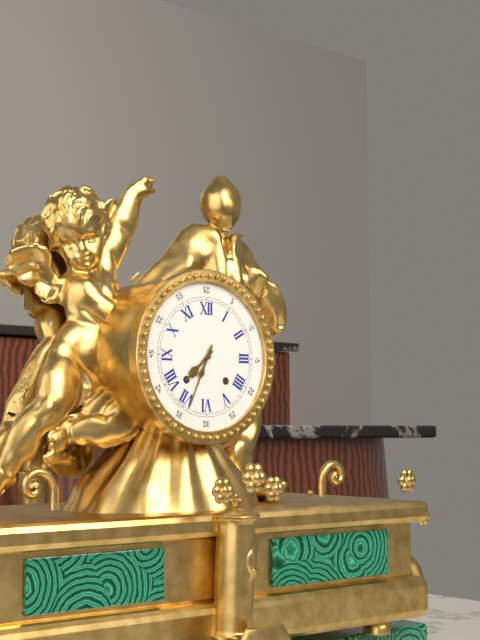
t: h=7 m=34
